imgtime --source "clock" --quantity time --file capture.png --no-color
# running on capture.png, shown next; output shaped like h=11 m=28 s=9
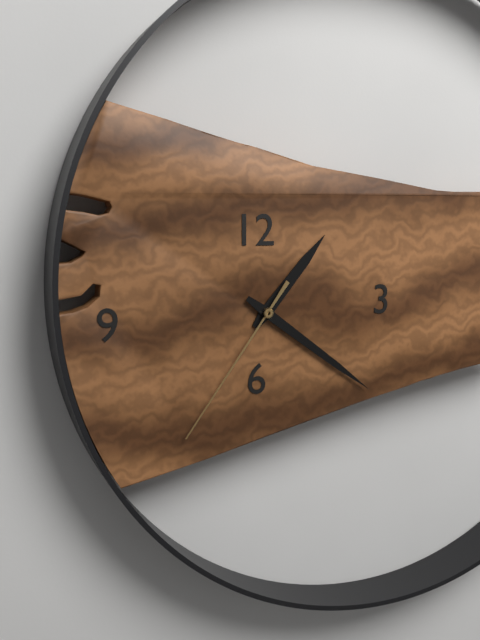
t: h=1 m=21 s=36
